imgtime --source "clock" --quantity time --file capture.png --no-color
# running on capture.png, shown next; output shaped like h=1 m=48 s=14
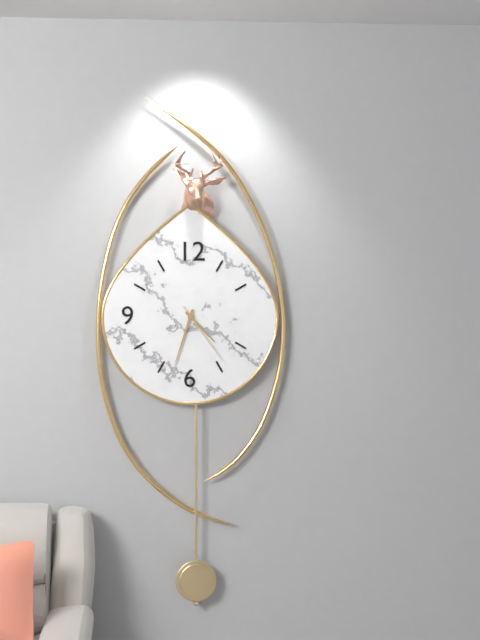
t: h=4 m=33 s=24
